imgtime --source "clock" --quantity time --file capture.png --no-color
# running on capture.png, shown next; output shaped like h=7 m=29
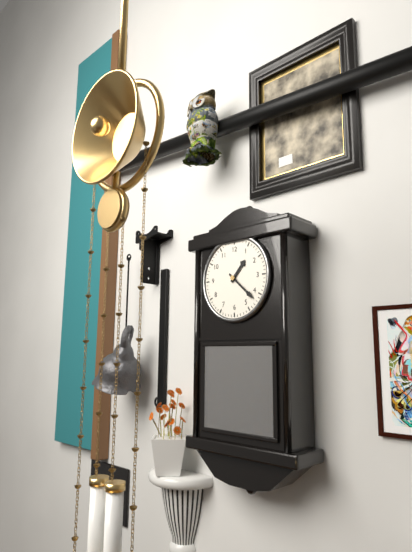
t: h=1 m=22
